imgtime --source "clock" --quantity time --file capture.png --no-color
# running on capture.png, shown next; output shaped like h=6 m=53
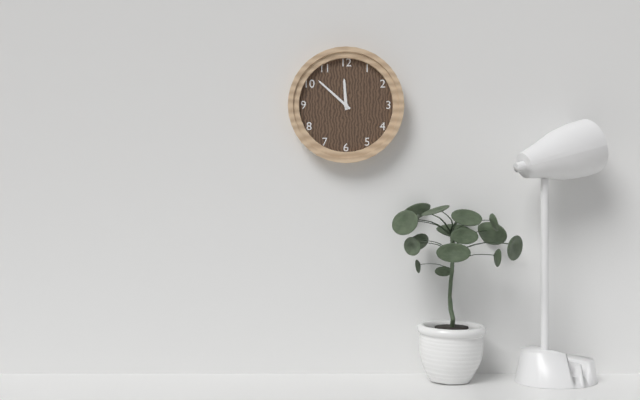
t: h=11 m=52
